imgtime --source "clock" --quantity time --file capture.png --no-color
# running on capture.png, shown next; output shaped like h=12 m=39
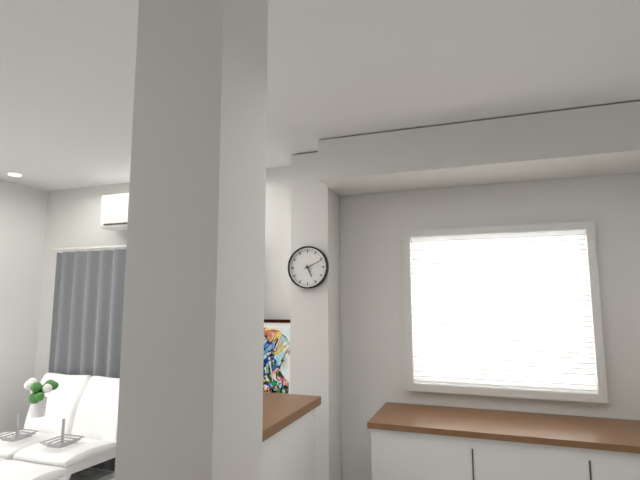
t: h=5 m=11
